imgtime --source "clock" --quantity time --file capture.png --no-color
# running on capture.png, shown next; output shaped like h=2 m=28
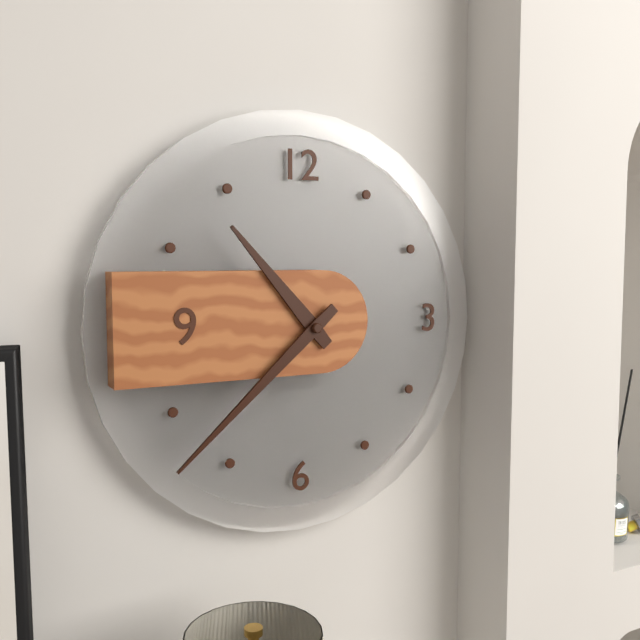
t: h=10 m=38
